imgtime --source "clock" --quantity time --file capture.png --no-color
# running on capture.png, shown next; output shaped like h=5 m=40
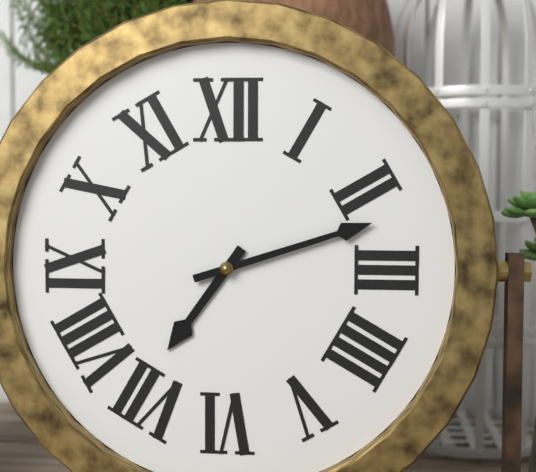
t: h=7 m=12
